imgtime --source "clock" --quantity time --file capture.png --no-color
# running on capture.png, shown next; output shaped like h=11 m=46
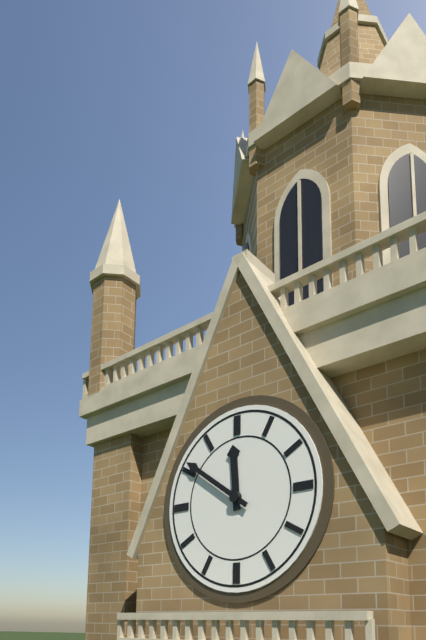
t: h=11 m=51
